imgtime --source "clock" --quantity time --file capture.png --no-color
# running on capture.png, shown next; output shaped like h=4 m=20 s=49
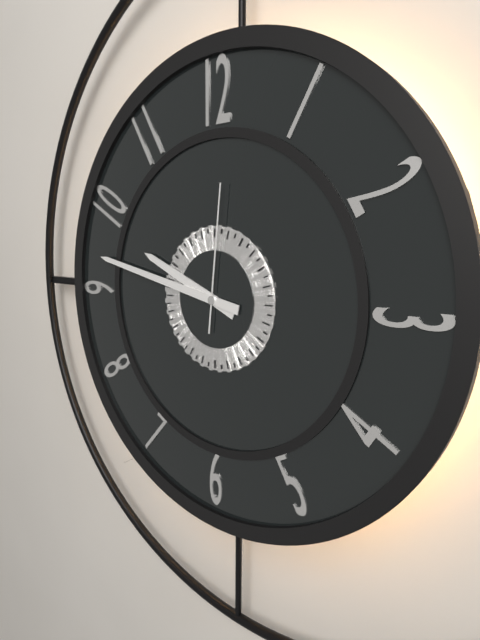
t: h=9 m=47 s=1
